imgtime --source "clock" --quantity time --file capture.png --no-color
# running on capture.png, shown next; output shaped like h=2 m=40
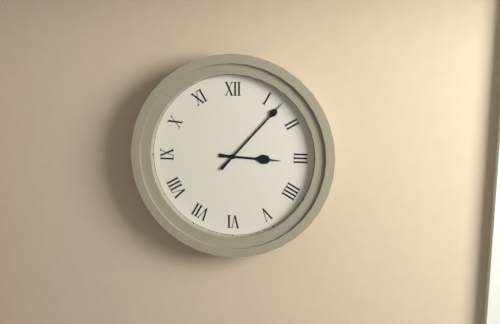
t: h=3 m=7
